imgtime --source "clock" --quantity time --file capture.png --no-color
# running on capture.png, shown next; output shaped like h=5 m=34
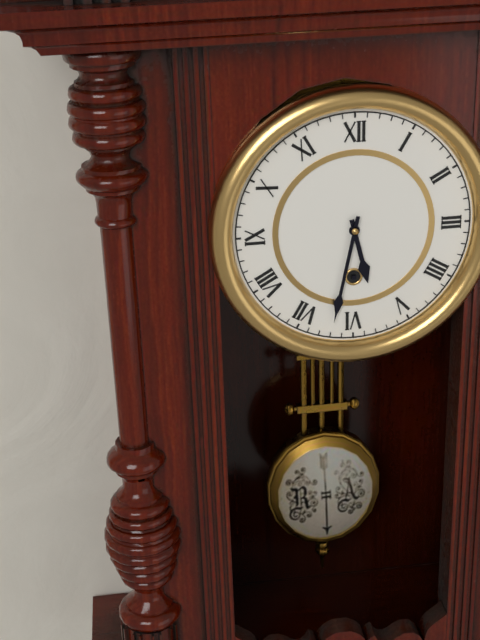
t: h=5 m=32
